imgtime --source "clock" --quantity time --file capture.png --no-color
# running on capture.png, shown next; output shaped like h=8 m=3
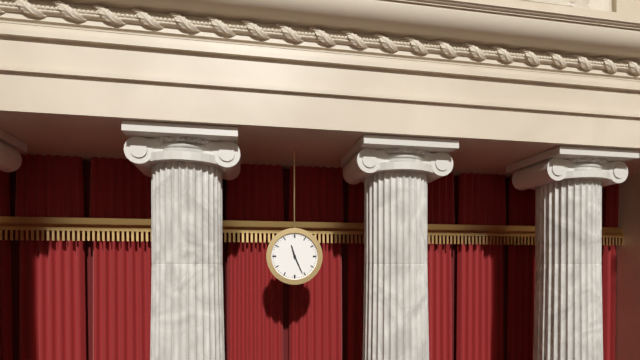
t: h=11 m=26
